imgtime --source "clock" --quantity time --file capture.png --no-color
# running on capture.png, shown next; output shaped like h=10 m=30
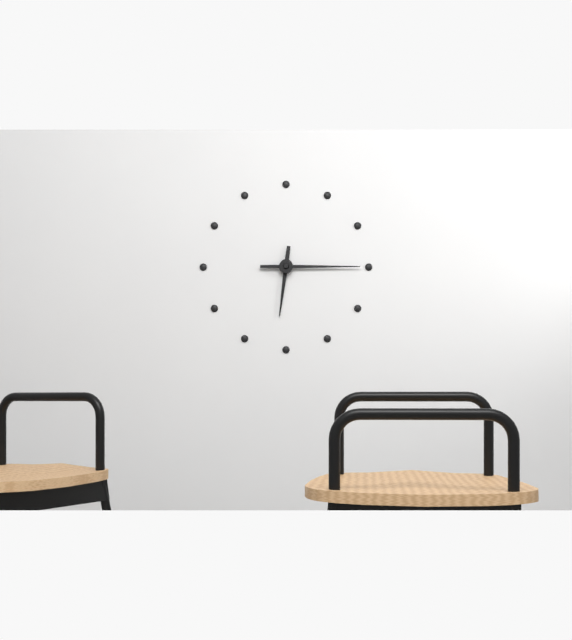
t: h=6 m=15
